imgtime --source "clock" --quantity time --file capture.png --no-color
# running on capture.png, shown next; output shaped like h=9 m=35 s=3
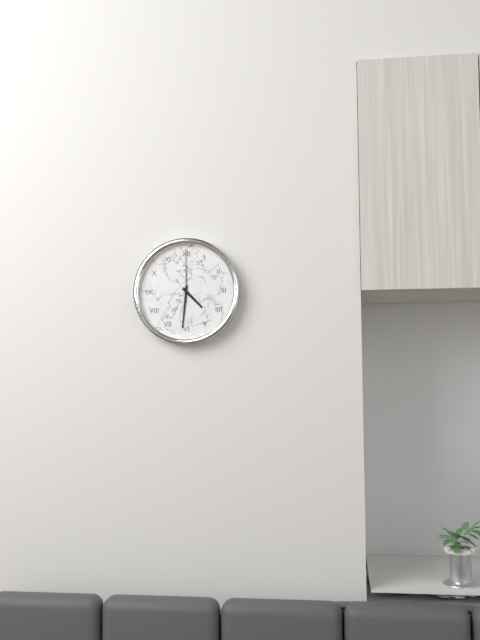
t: h=4 m=31 s=0
